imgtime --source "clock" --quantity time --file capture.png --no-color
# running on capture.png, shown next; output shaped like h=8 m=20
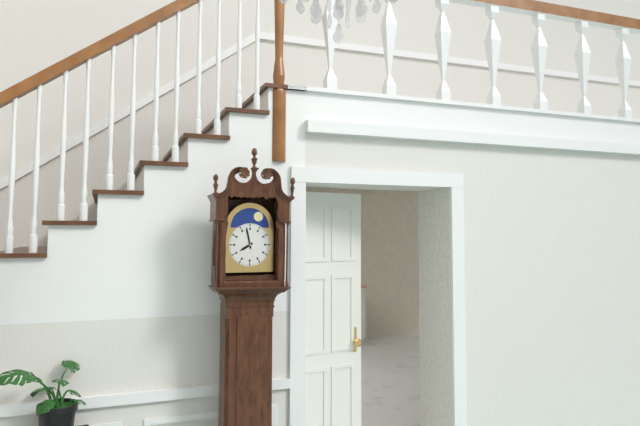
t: h=7 m=58
